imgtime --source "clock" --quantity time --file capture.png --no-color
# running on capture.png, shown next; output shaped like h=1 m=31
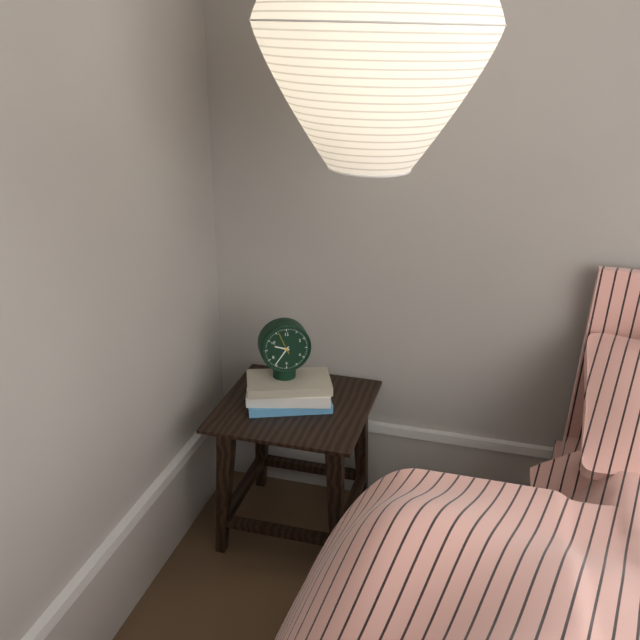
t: h=9 m=36
